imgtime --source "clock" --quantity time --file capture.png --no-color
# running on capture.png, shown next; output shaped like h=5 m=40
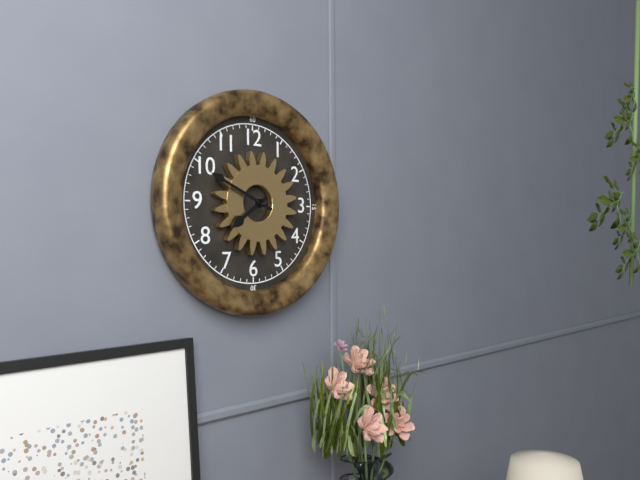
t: h=7 m=49
